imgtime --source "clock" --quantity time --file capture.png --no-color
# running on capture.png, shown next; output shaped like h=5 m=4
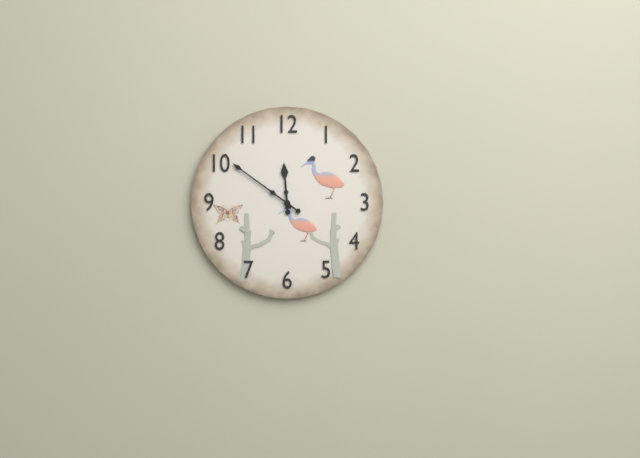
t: h=11 m=51
